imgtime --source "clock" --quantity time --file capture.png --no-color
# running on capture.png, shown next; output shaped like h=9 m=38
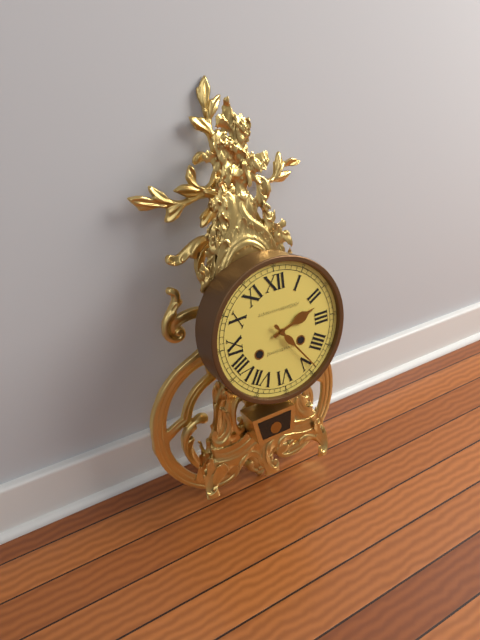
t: h=2 m=24
